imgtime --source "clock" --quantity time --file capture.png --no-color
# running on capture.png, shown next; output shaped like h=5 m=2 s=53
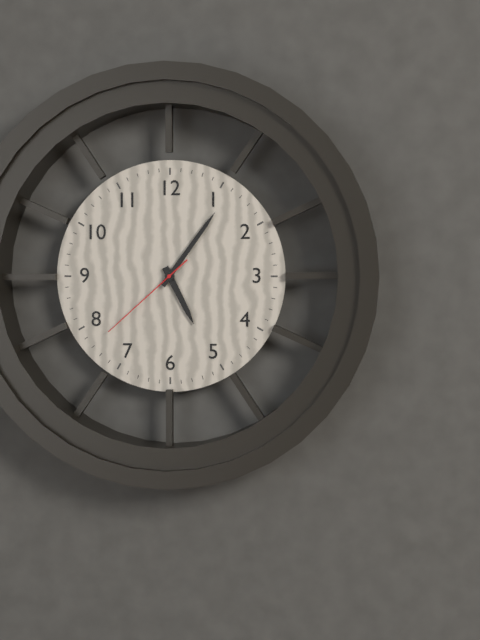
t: h=5 m=6 s=38
